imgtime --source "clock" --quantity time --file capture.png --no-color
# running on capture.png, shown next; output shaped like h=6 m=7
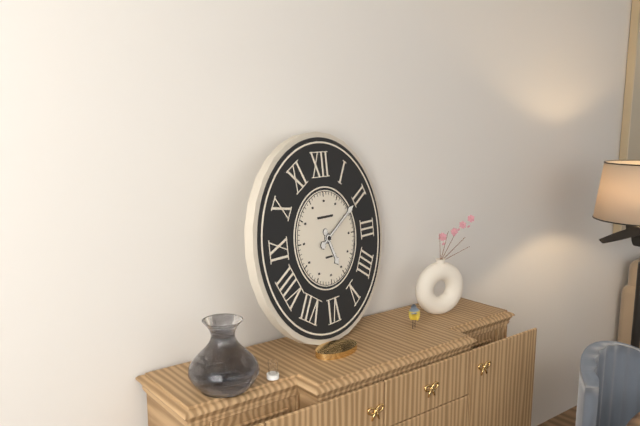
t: h=5 m=10
